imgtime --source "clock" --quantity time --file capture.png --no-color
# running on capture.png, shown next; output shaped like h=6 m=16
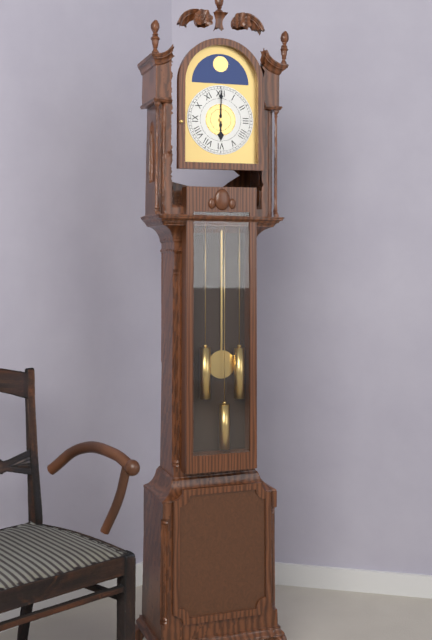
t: h=6 m=0
